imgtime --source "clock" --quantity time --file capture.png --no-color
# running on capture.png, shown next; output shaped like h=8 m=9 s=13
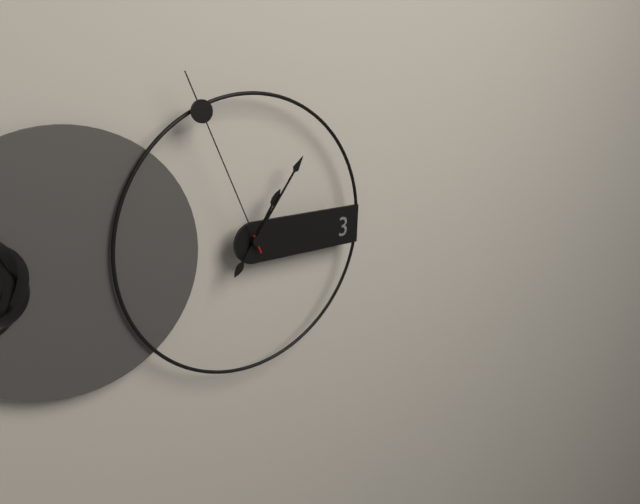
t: h=1 m=6 s=56
